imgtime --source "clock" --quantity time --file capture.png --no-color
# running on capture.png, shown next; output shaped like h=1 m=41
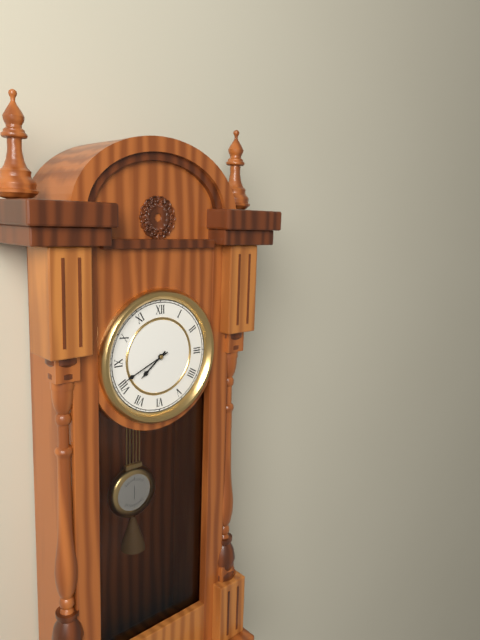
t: h=7 m=41
